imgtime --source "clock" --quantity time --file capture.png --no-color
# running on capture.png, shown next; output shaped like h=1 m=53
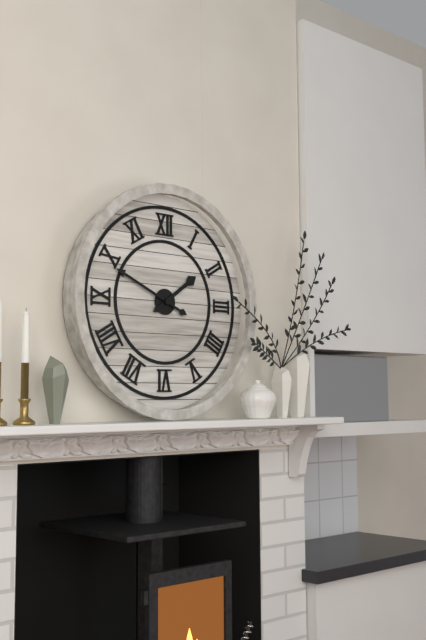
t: h=1 m=49
